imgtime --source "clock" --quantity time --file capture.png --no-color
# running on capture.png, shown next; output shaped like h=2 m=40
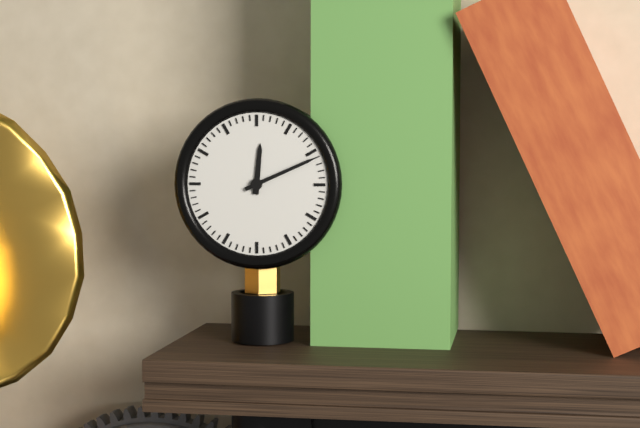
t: h=12 m=11
